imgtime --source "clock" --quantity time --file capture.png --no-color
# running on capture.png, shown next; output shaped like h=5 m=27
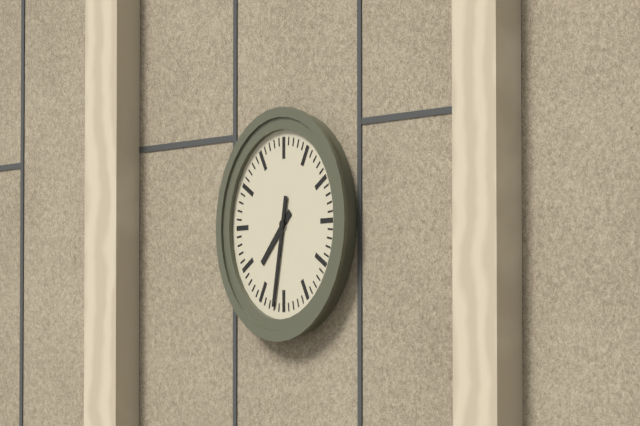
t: h=7 m=32
